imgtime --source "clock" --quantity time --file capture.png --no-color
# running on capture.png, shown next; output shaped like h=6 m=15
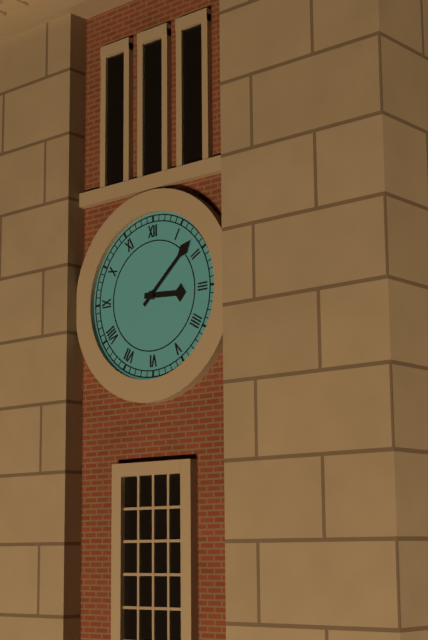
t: h=3 m=8
